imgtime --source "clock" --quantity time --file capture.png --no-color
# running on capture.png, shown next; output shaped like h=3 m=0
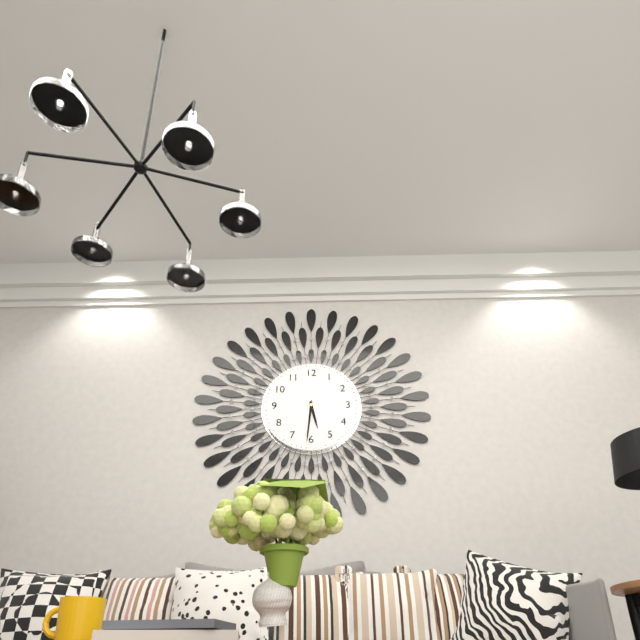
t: h=5 m=31
